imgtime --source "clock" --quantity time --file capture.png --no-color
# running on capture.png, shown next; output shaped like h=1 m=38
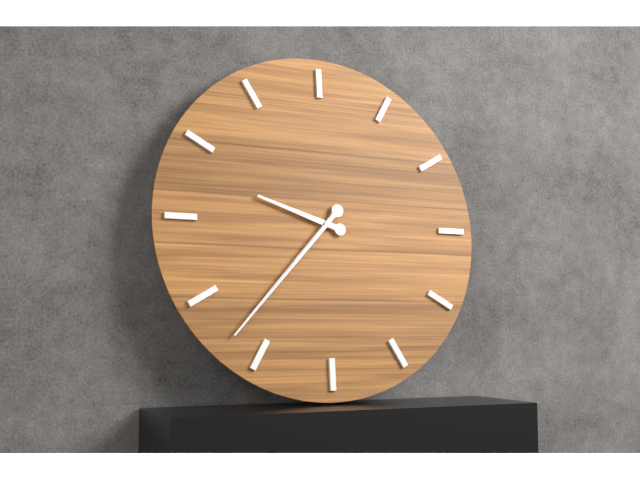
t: h=9 m=37
